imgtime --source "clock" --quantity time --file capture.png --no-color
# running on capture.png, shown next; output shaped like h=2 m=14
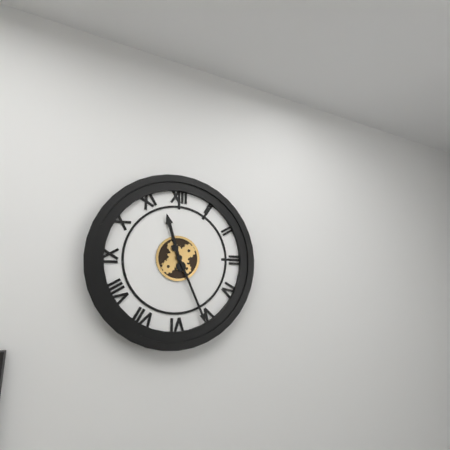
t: h=11 m=26
